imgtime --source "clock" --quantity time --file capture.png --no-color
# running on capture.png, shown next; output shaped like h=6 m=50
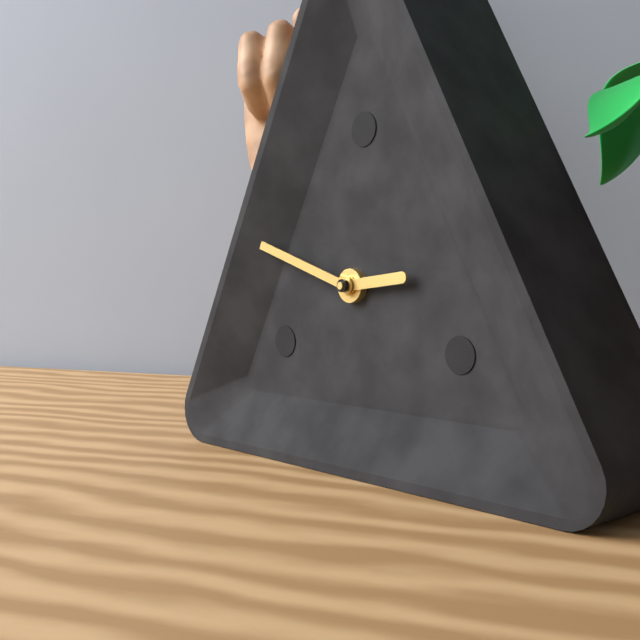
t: h=2 m=48
